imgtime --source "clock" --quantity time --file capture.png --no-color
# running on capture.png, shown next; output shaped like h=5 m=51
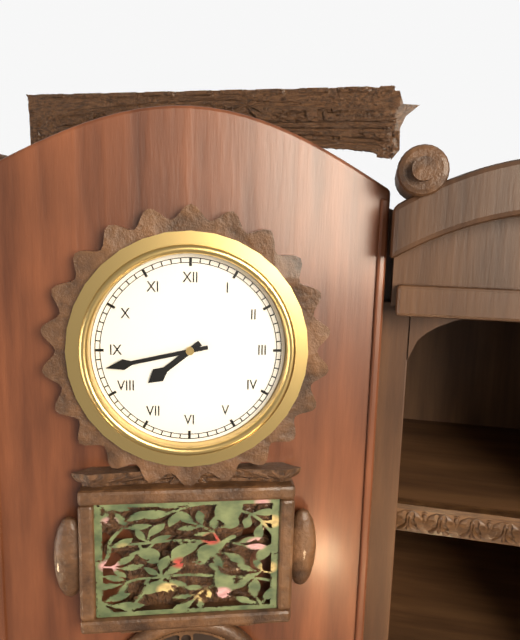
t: h=7 m=43
